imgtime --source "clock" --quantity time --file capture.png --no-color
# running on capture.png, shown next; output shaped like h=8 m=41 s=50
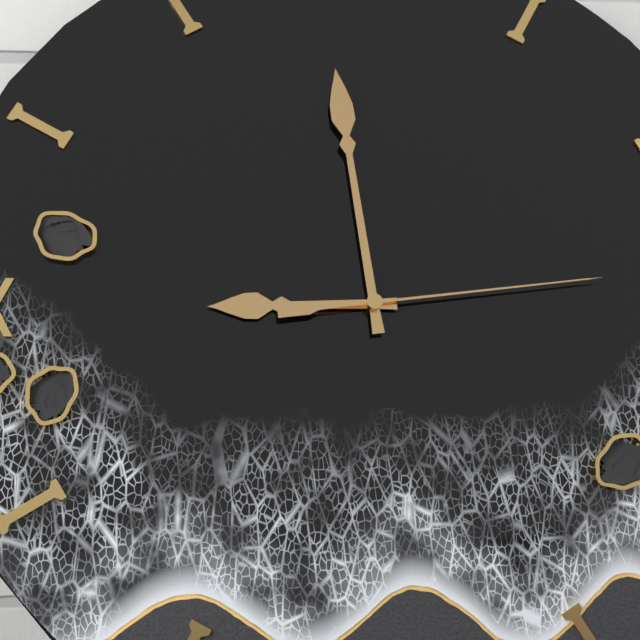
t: h=8 m=59 s=14
